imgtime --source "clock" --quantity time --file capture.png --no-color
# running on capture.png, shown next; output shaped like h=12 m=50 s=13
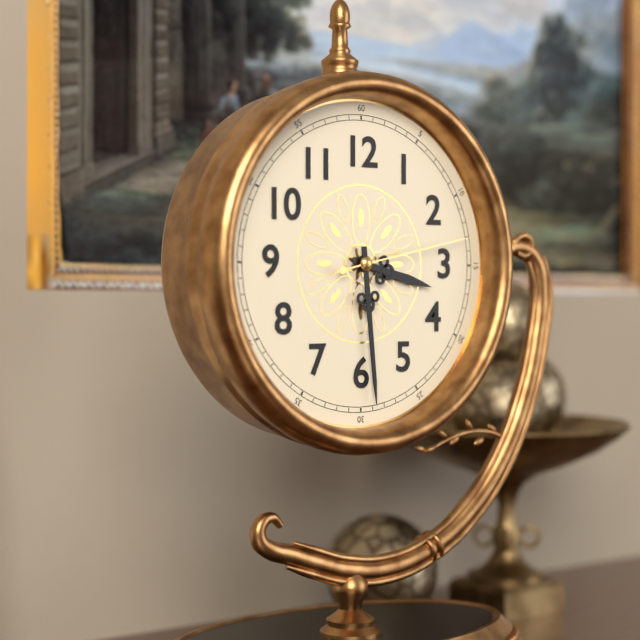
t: h=3 m=29 s=13
